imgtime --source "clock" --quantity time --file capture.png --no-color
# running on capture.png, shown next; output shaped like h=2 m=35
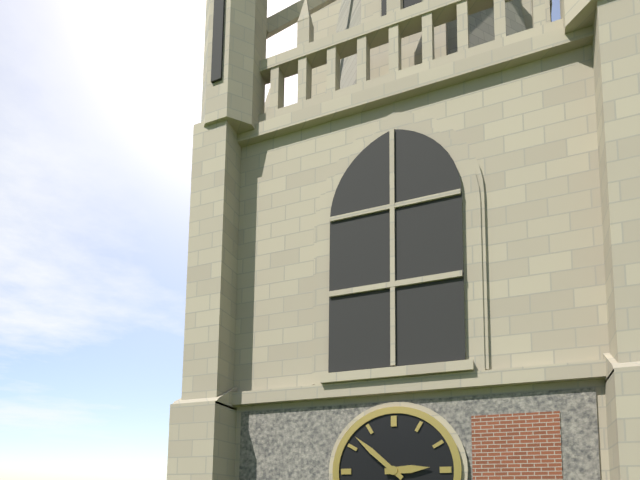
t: h=2 m=52
